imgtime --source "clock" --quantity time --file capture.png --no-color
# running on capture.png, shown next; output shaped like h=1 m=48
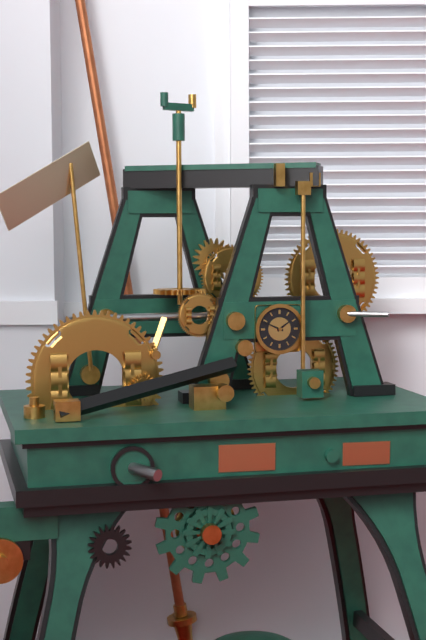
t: h=1 m=49
